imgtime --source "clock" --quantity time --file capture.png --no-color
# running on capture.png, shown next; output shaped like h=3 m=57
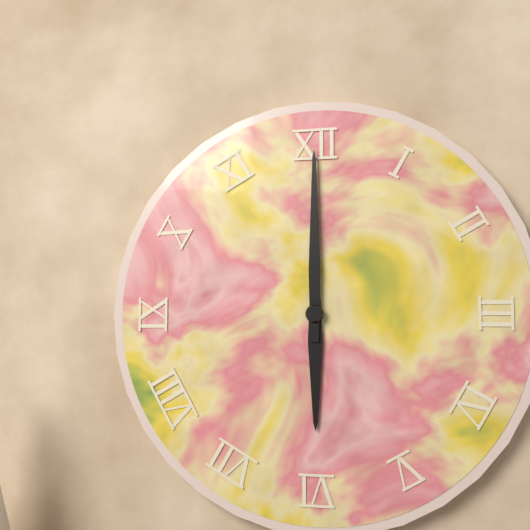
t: h=6 m=0
